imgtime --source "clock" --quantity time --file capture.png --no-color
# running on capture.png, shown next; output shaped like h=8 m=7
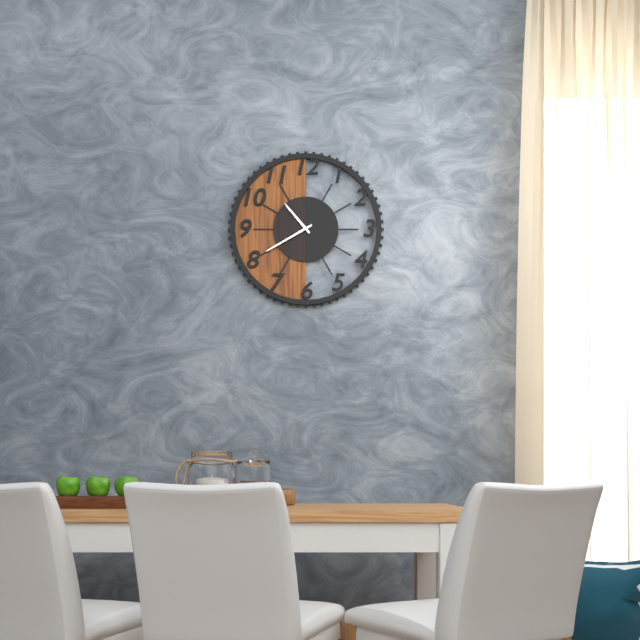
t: h=10 m=40
